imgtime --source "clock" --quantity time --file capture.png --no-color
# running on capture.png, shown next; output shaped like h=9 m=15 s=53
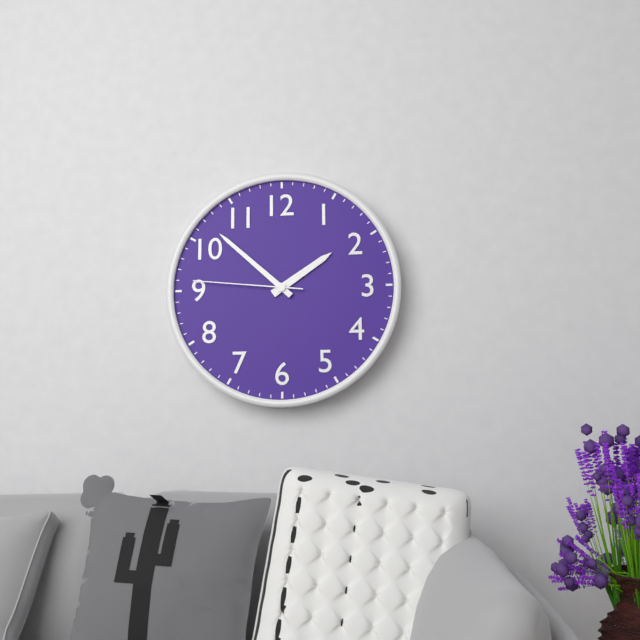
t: h=1 m=52 s=46
